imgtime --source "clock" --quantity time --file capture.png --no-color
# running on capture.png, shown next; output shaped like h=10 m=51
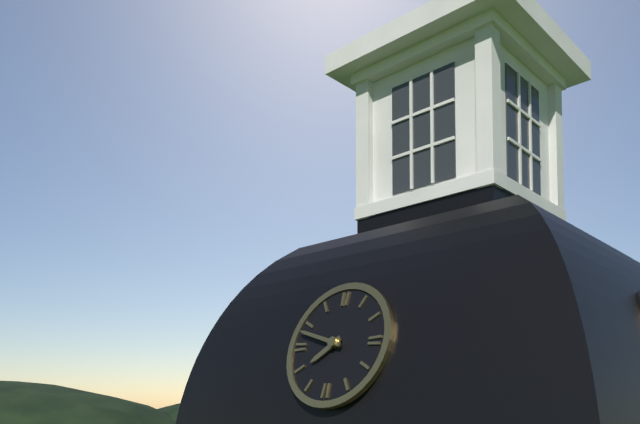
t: h=7 m=48
